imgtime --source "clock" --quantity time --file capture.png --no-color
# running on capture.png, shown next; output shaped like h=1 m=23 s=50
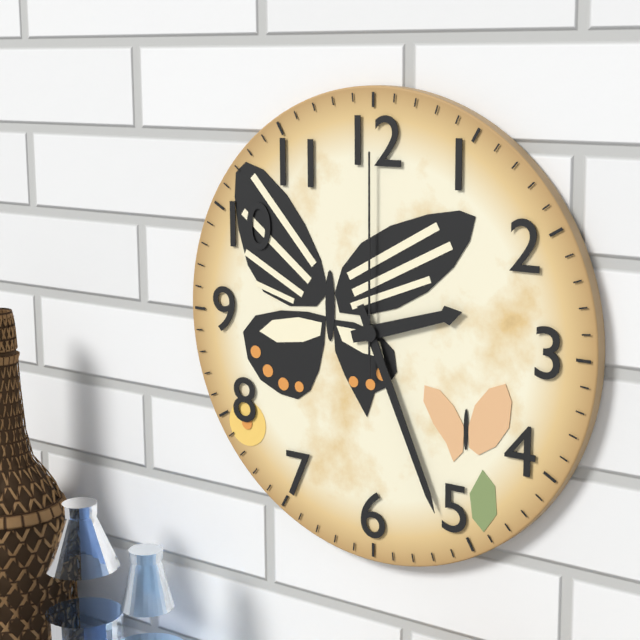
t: h=2 m=26 s=0
